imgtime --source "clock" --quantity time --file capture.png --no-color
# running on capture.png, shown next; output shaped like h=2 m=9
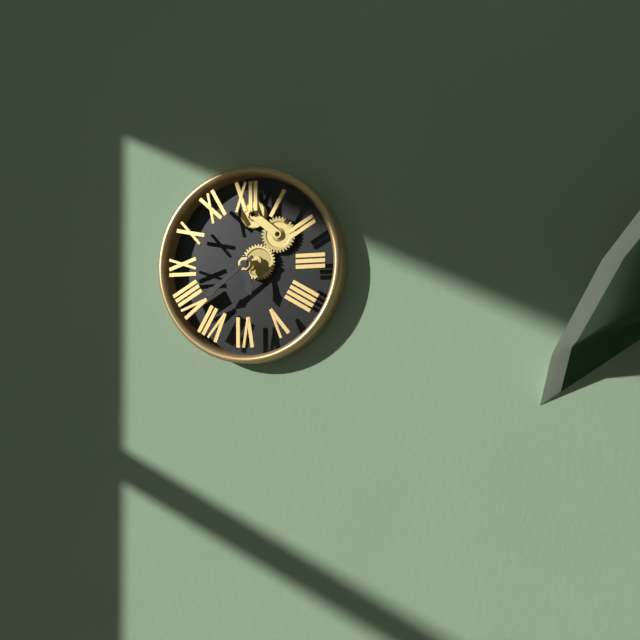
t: h=5 m=39
